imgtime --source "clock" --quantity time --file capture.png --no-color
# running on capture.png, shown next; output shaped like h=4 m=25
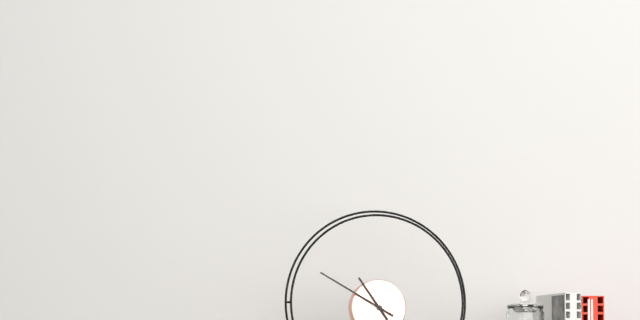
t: h=10 m=50
